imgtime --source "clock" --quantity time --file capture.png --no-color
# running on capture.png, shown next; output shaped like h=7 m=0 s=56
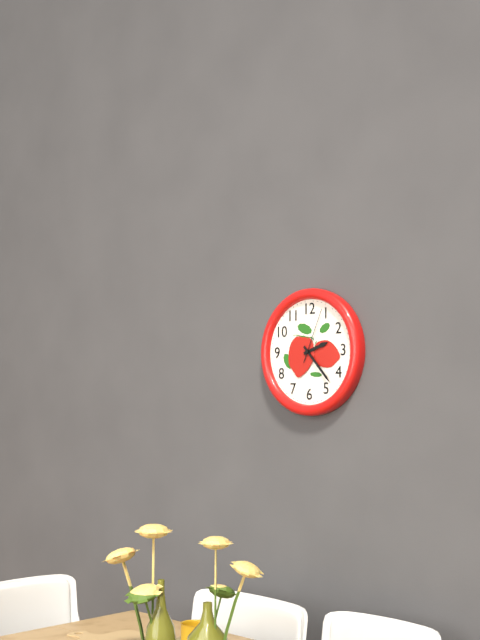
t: h=2 m=23 s=4
